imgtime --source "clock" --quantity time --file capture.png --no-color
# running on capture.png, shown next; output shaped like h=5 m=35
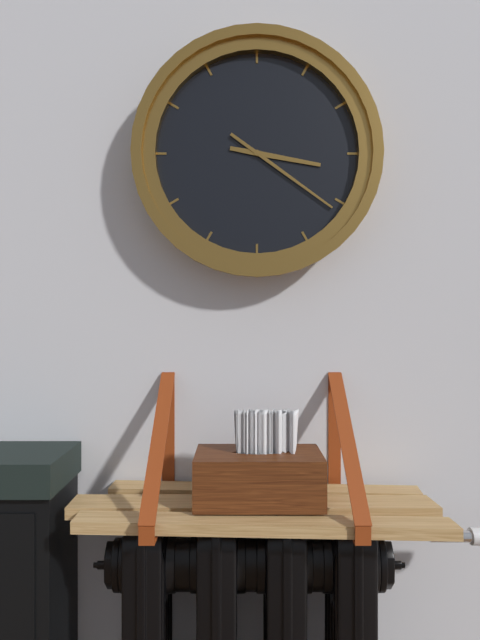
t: h=3 m=21
